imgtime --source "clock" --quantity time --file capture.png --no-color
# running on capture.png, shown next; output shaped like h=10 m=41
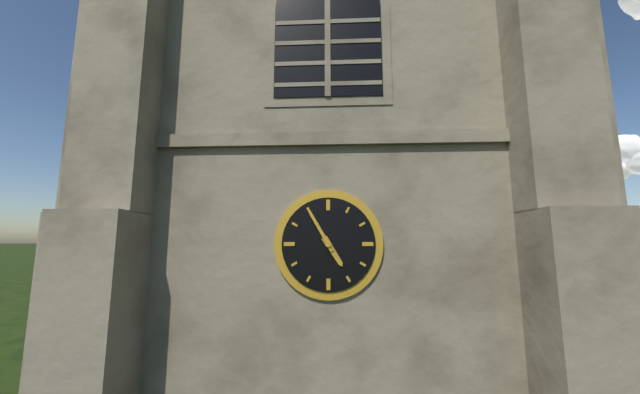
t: h=4 m=55
